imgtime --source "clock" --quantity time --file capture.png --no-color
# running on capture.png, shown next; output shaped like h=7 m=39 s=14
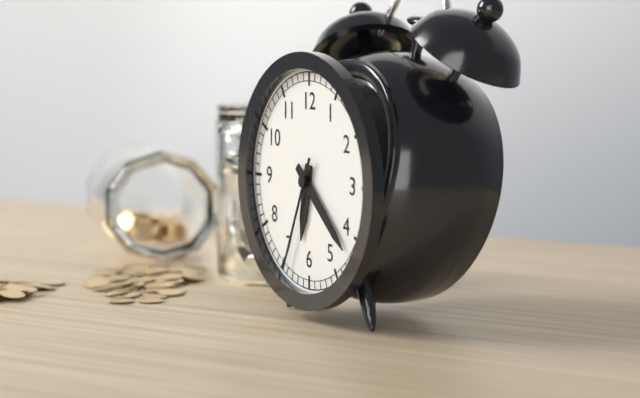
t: h=6 m=22 s=34
